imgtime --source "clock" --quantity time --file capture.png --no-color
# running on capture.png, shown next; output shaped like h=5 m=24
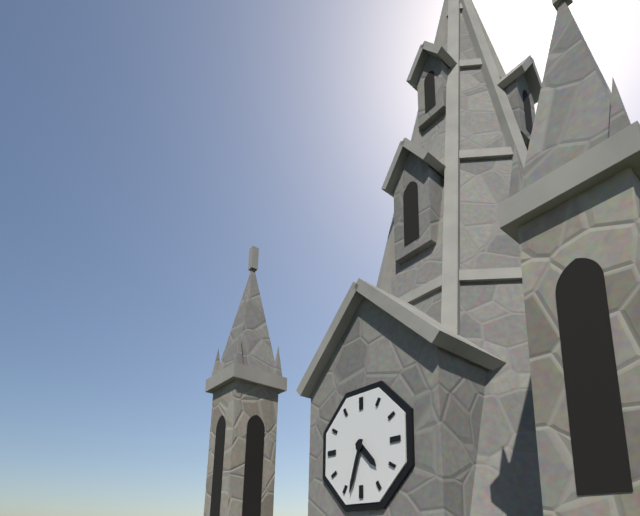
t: h=4 m=33
